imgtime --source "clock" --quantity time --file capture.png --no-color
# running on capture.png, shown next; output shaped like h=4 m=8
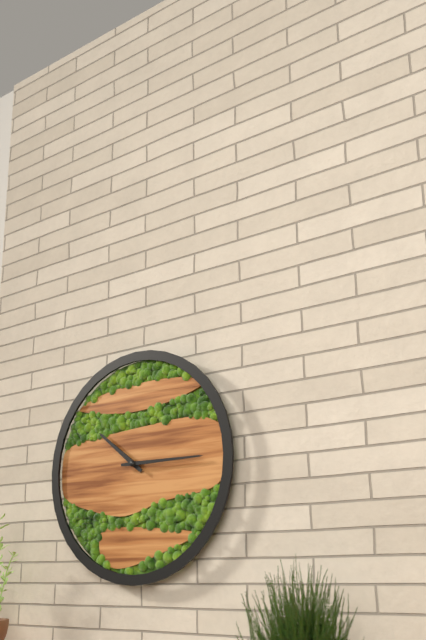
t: h=10 m=15
